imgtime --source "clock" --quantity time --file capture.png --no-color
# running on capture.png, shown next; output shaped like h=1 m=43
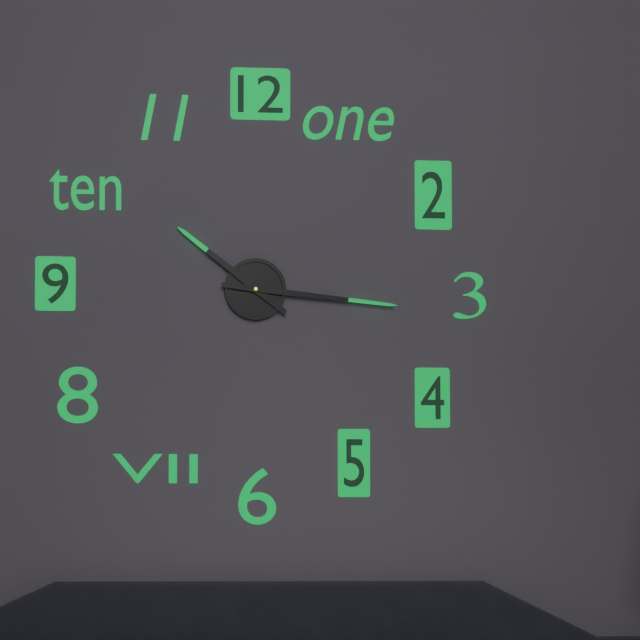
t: h=10 m=16
